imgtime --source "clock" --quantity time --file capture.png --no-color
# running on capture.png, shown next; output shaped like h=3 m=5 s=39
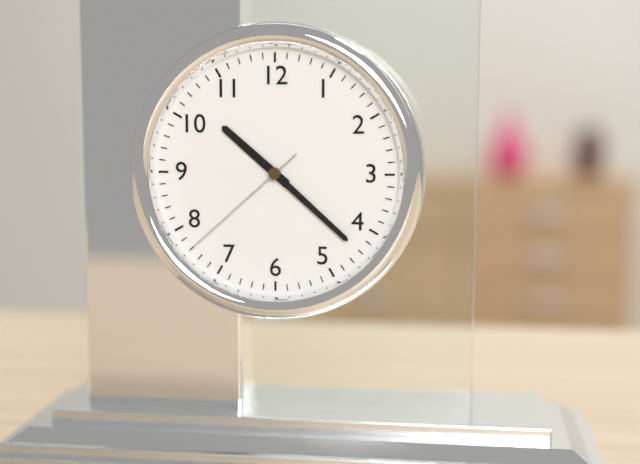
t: h=10 m=22 s=38
